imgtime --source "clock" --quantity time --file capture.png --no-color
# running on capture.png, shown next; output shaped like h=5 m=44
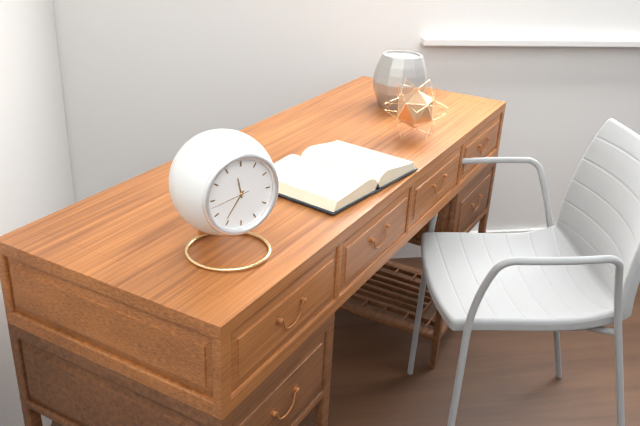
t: h=11 m=36
